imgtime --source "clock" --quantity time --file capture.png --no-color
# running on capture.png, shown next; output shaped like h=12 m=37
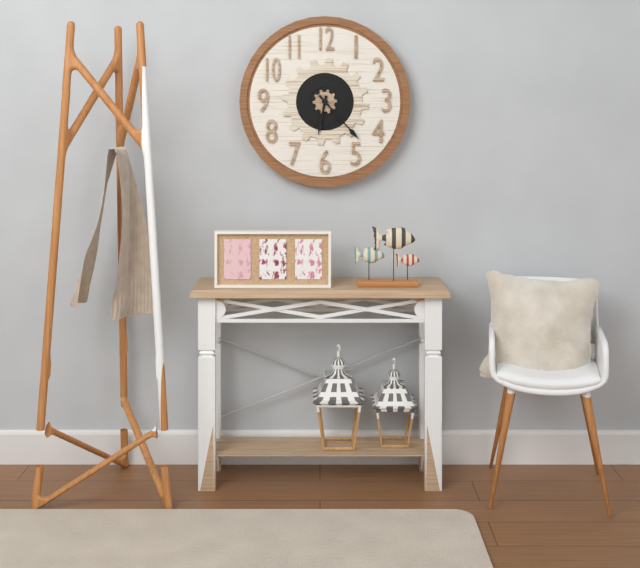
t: h=6 m=23
